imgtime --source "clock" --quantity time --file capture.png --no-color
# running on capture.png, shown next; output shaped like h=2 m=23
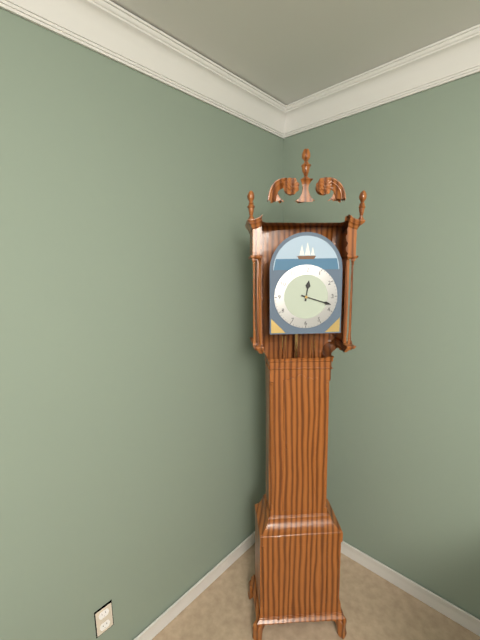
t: h=12 m=18
